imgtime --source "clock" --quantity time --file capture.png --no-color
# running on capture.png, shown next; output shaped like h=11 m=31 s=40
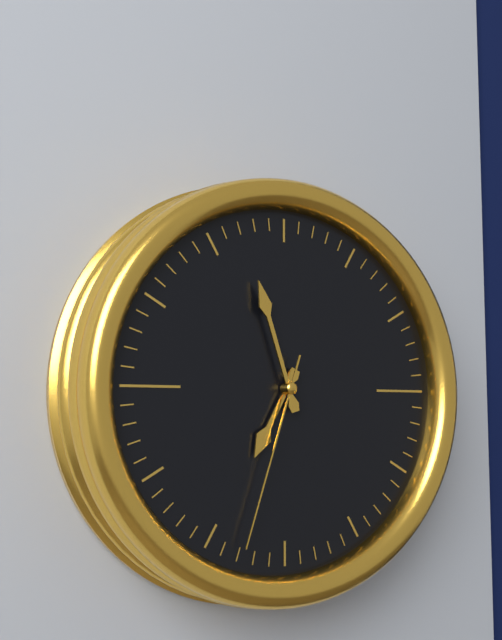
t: h=6 m=57 s=33
